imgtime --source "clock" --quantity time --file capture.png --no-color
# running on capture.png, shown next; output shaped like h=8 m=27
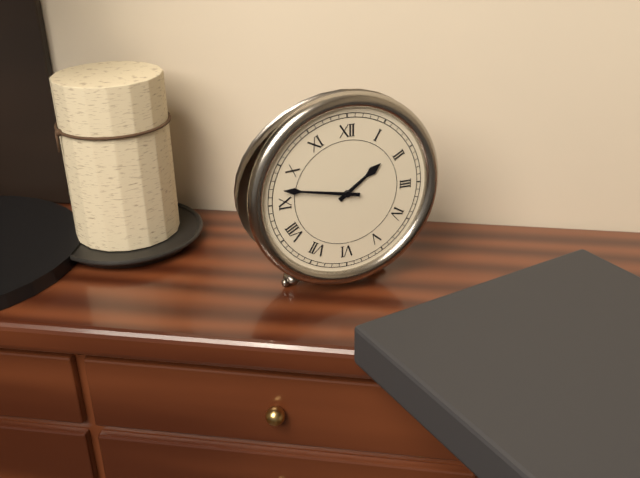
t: h=1 m=47
